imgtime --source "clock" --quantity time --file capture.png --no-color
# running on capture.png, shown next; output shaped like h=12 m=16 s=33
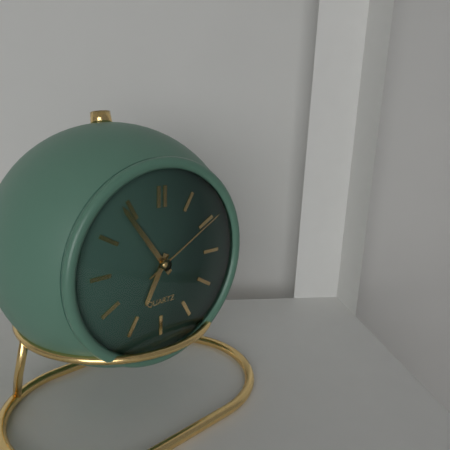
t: h=6 m=54 s=10
